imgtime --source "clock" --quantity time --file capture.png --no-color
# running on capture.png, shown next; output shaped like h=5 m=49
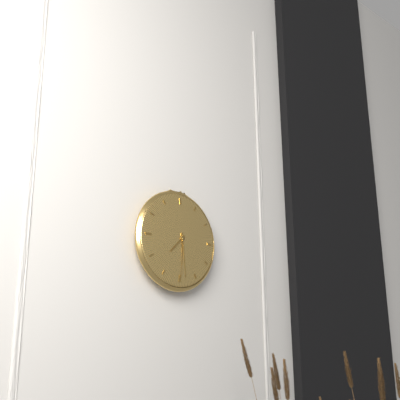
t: h=7 m=29
